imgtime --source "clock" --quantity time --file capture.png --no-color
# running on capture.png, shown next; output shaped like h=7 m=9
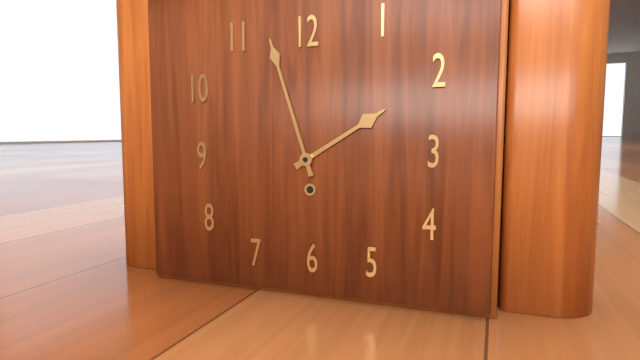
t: h=1 m=57
